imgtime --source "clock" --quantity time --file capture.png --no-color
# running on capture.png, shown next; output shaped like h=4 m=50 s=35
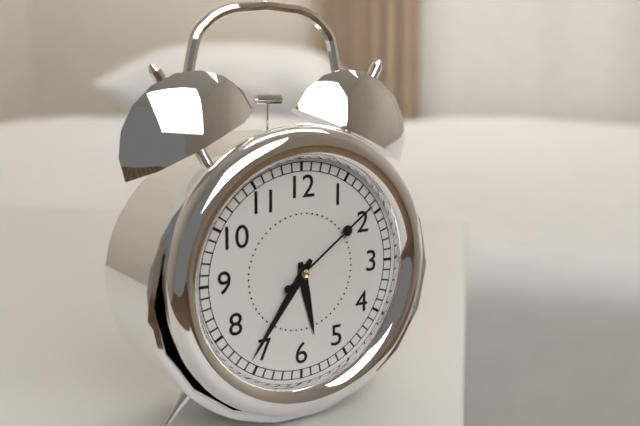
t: h=5 m=36 s=9
